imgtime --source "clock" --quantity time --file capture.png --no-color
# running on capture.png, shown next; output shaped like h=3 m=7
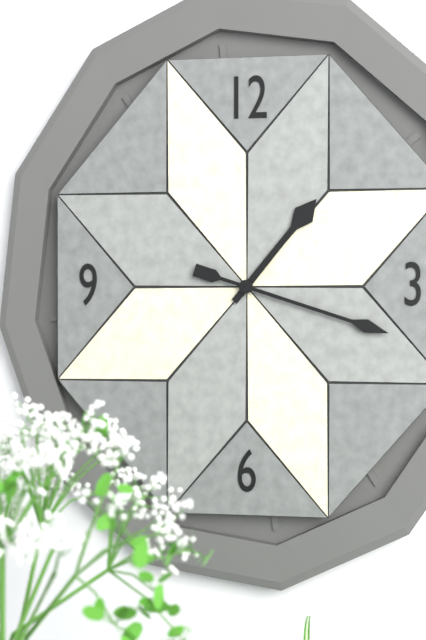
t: h=1 m=18
